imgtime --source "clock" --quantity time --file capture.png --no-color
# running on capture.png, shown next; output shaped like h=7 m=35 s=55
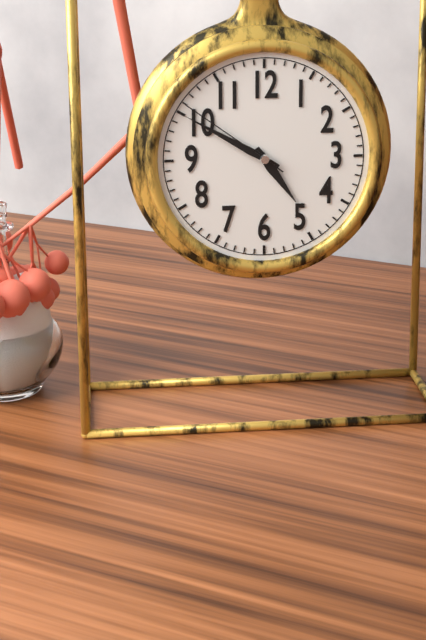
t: h=4 m=50 s=51
